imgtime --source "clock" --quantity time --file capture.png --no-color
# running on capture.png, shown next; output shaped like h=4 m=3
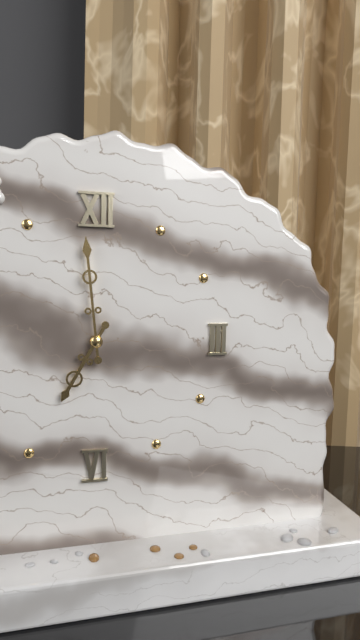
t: h=6 m=59
